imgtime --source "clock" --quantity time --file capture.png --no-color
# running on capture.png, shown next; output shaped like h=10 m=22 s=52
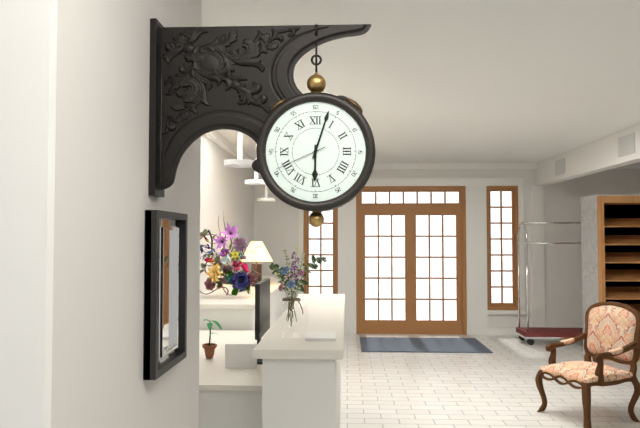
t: h=6 m=3 s=41
